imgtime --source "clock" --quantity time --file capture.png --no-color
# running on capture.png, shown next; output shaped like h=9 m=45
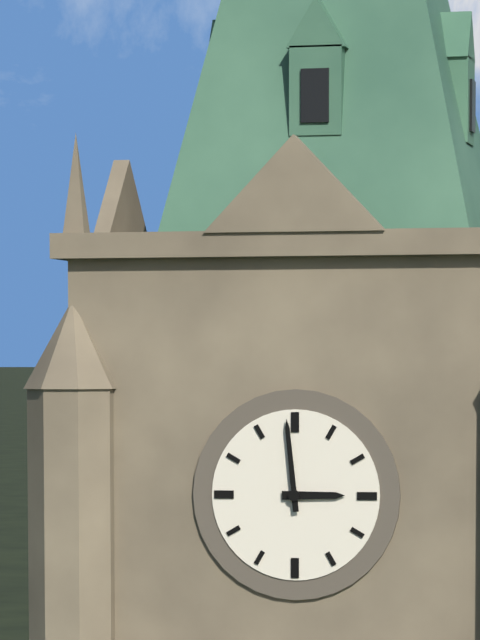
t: h=2 m=59
